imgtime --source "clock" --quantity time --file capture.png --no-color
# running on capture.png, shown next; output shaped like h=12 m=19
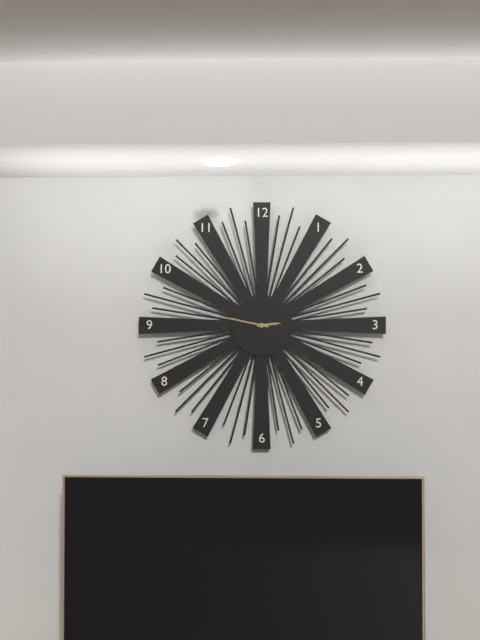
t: h=2 m=47
